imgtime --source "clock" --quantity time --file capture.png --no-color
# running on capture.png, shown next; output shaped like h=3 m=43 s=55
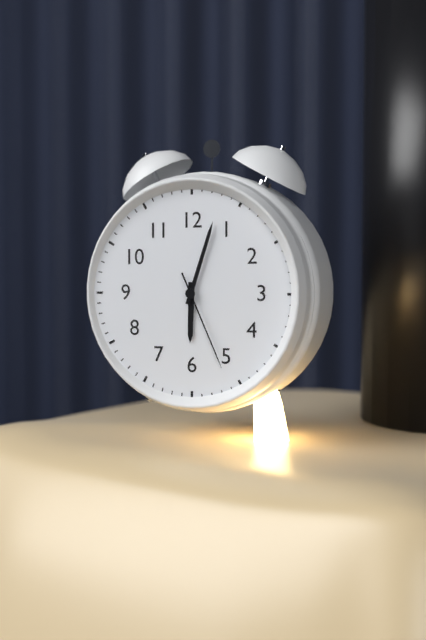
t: h=6 m=3 s=26
